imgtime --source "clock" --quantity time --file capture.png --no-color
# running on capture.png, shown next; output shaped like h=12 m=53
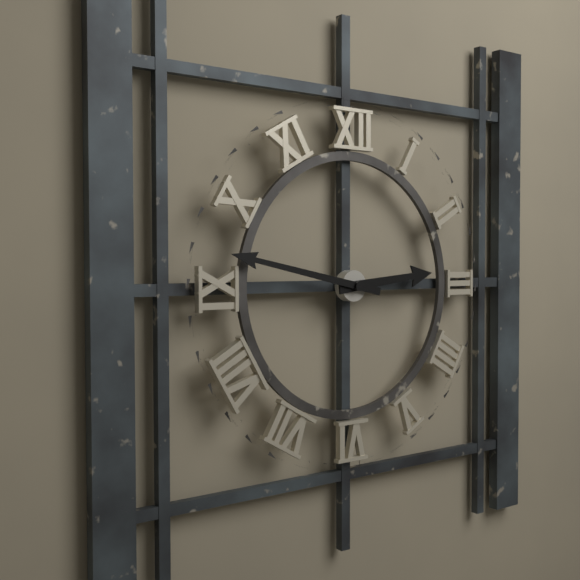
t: h=2 m=47
